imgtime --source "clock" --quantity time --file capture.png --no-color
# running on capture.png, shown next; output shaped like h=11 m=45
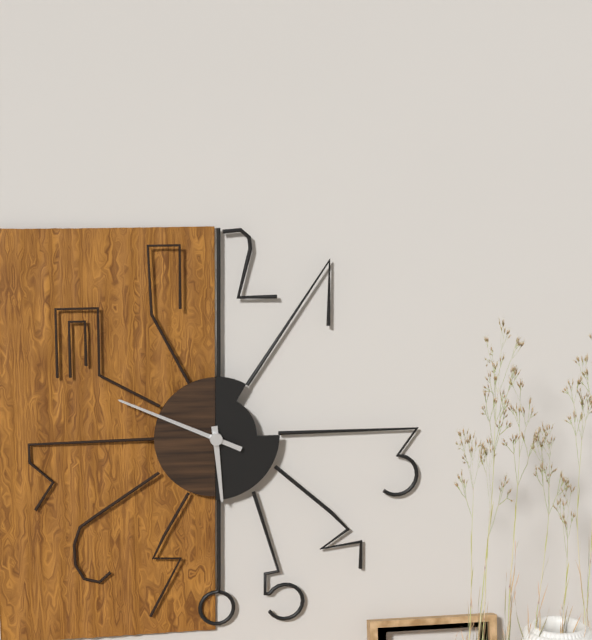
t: h=5 m=49
